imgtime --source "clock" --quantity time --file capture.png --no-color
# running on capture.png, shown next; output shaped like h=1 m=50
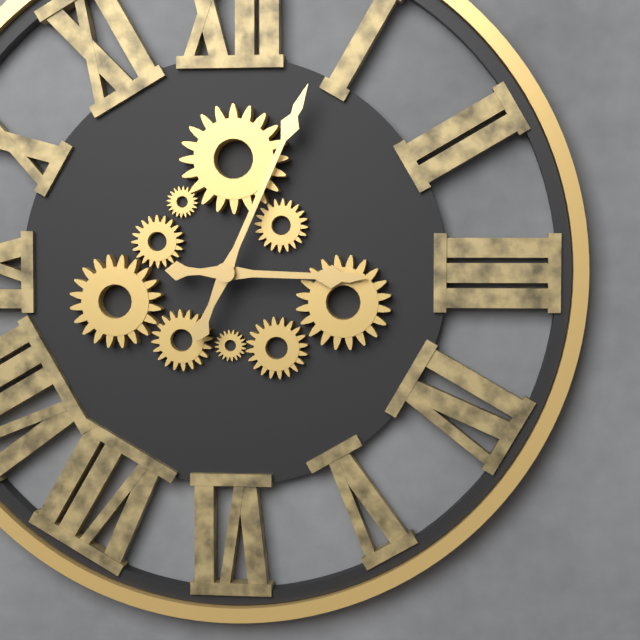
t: h=3 m=4
